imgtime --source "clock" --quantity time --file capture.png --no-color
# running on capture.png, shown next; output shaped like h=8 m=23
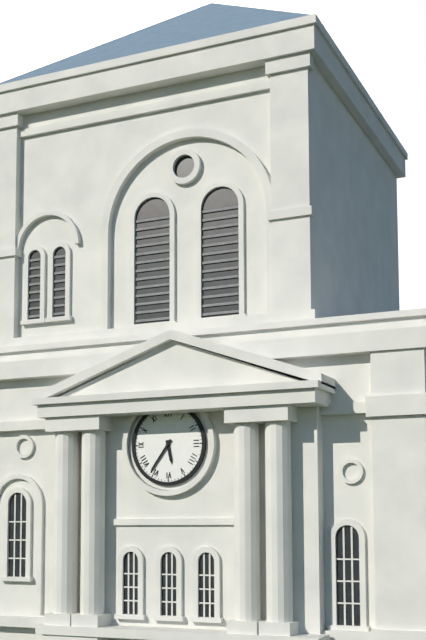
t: h=5 m=36
